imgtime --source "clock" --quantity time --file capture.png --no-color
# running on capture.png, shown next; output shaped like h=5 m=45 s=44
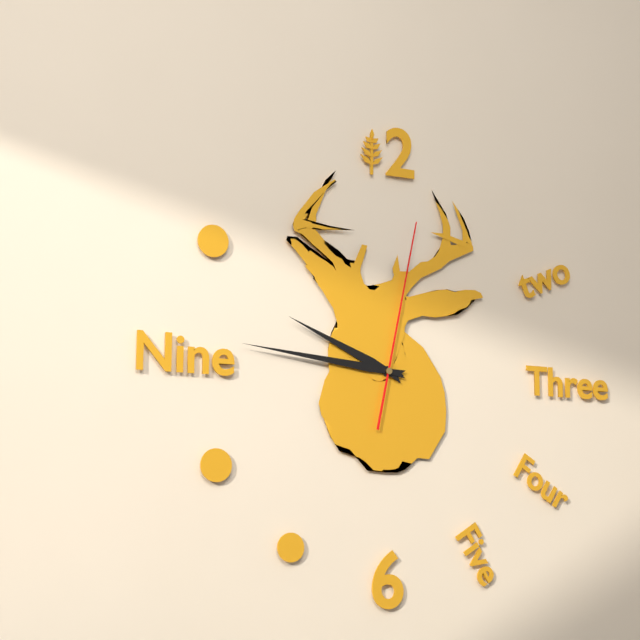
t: h=9 m=46 s=2
